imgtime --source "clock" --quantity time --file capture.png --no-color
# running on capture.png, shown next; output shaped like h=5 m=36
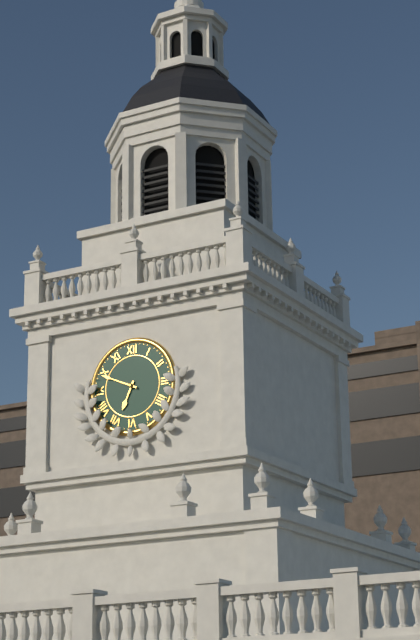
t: h=6 m=49
